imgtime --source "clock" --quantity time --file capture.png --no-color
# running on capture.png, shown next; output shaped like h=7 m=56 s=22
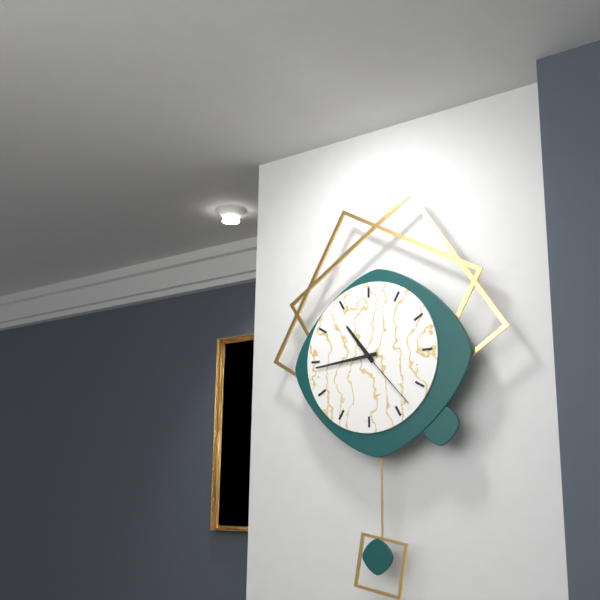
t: h=10 m=44 s=23
